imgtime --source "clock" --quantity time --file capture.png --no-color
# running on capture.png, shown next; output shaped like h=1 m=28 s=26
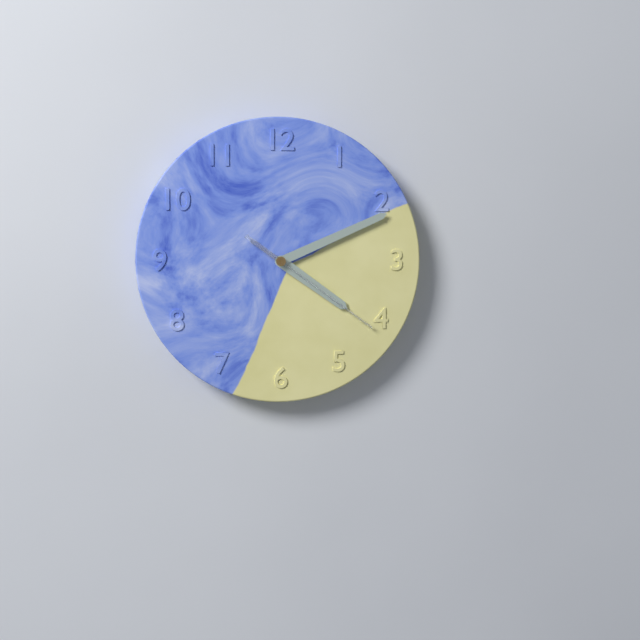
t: h=4 m=11 s=21
